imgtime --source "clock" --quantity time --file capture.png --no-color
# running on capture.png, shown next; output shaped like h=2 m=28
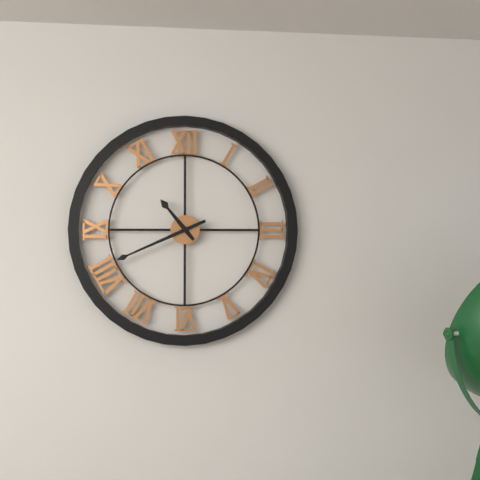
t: h=10 m=41
